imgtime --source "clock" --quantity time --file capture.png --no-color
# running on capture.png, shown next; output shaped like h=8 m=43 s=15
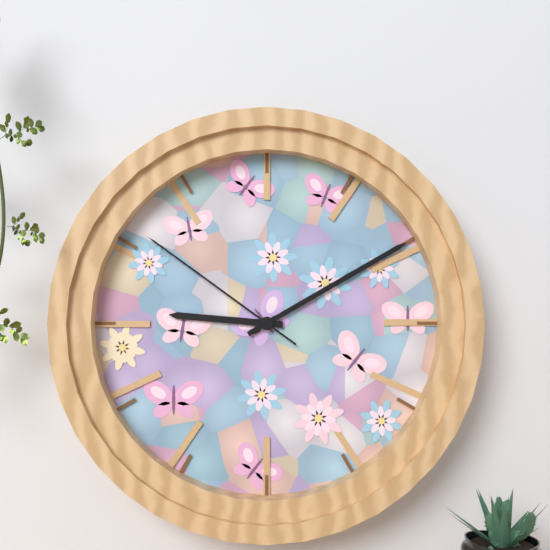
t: h=9 m=10 s=51
